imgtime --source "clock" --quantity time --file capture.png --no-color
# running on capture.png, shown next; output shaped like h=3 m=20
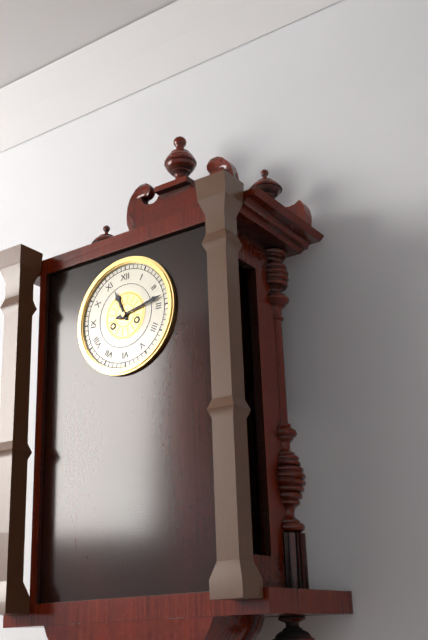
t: h=11 m=13
